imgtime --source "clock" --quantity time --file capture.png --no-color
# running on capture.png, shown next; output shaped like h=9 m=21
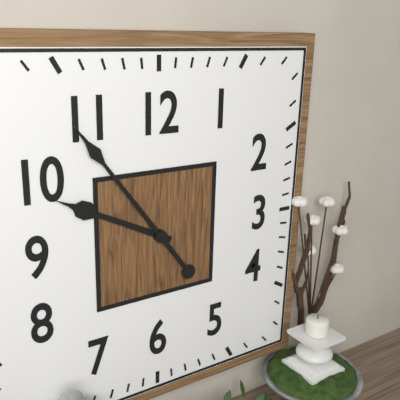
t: h=9 m=54
